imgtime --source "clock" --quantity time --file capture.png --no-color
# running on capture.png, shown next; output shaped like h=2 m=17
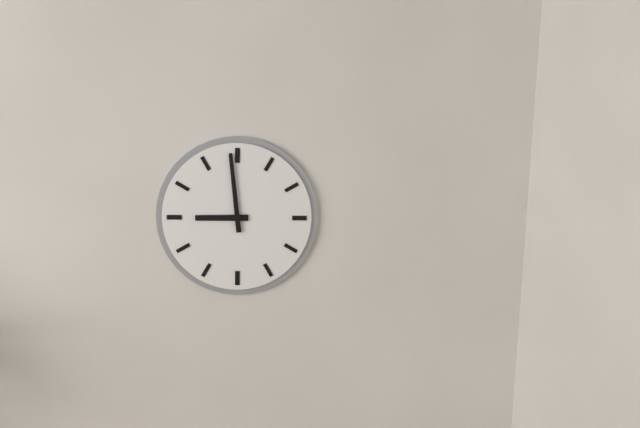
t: h=8 m=59
